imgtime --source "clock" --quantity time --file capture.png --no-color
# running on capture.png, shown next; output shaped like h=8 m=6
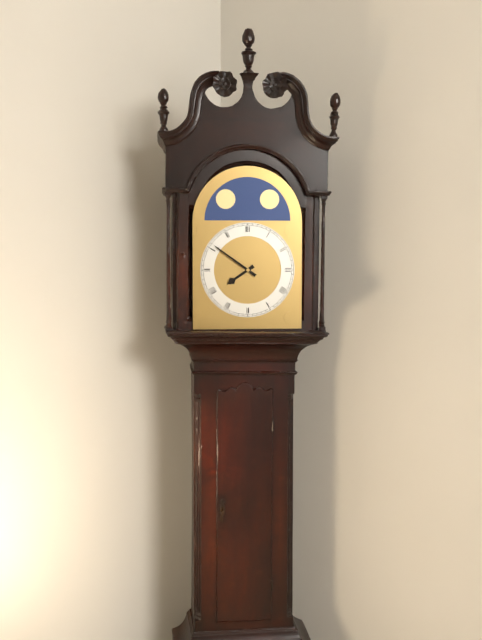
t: h=7 m=51
